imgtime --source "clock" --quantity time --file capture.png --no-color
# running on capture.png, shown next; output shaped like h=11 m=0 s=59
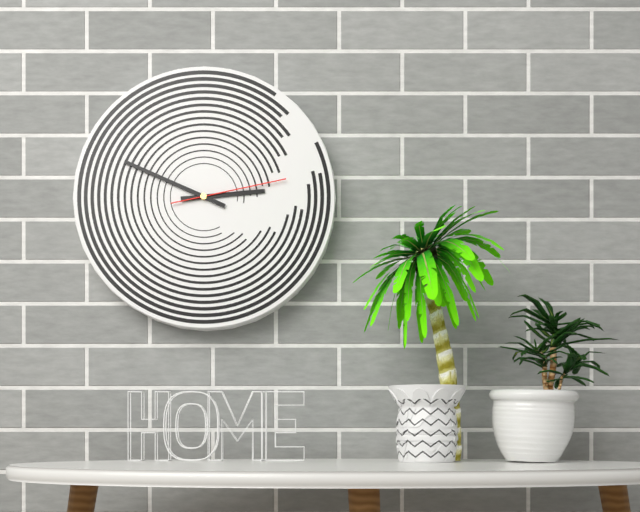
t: h=2 m=49 s=13
